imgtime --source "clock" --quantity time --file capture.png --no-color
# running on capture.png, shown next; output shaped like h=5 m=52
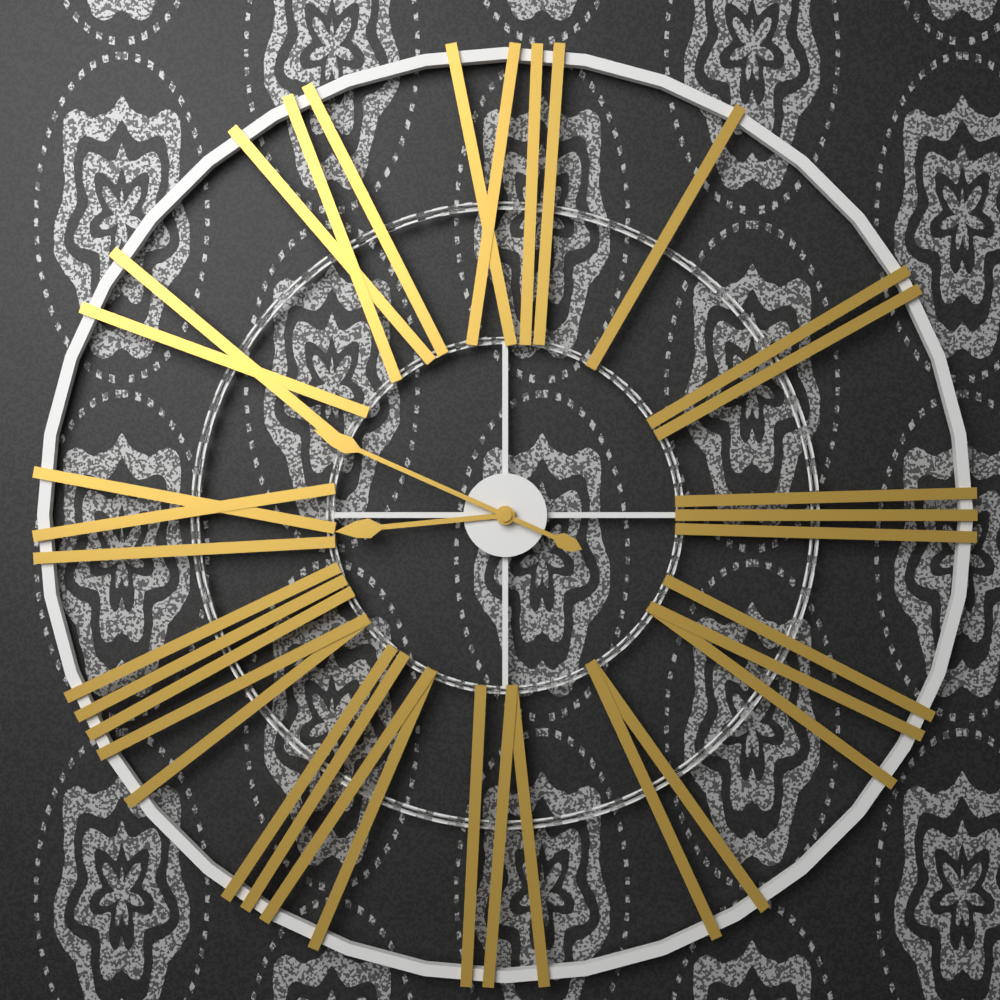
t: h=8 m=49
